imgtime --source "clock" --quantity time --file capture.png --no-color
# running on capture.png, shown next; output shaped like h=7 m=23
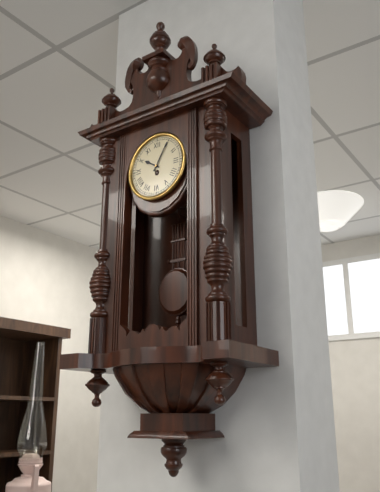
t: h=10 m=5
